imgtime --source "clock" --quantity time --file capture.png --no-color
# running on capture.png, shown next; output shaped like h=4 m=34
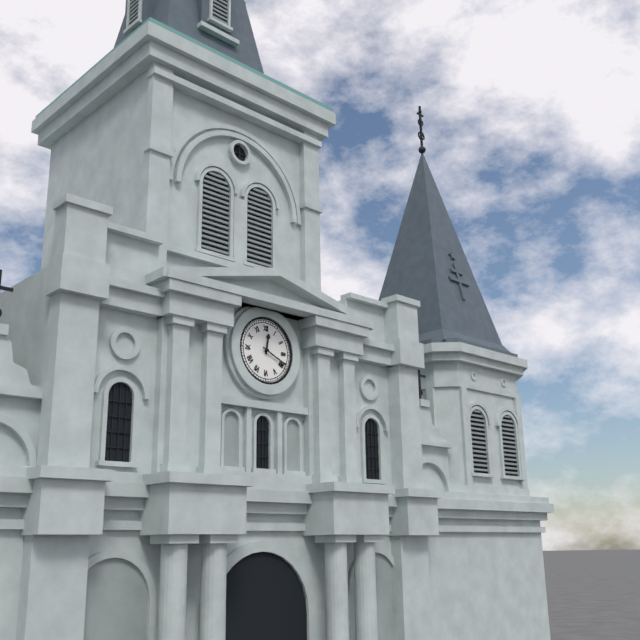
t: h=12 m=19
